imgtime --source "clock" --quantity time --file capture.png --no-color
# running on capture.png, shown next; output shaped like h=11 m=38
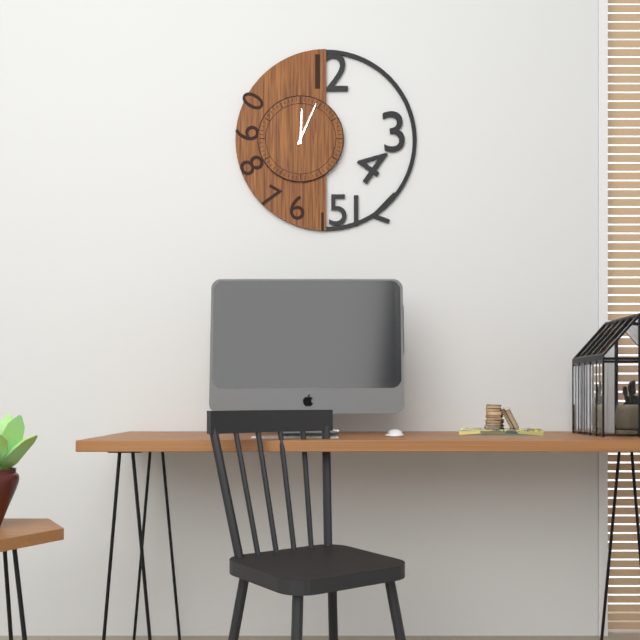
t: h=12 m=4
